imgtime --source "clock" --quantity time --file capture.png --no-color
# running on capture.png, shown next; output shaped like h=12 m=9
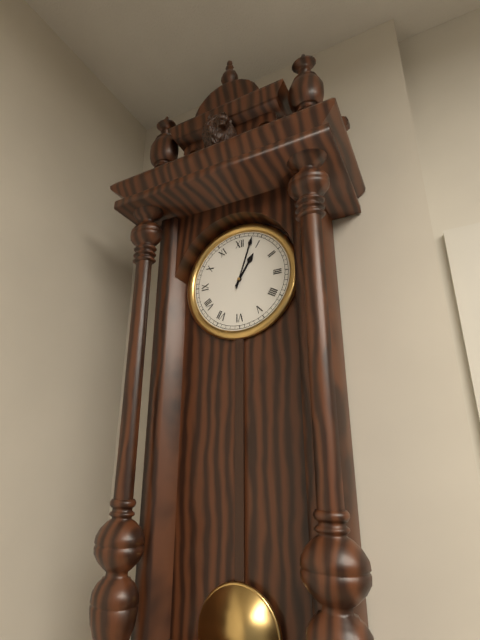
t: h=1 m=3
